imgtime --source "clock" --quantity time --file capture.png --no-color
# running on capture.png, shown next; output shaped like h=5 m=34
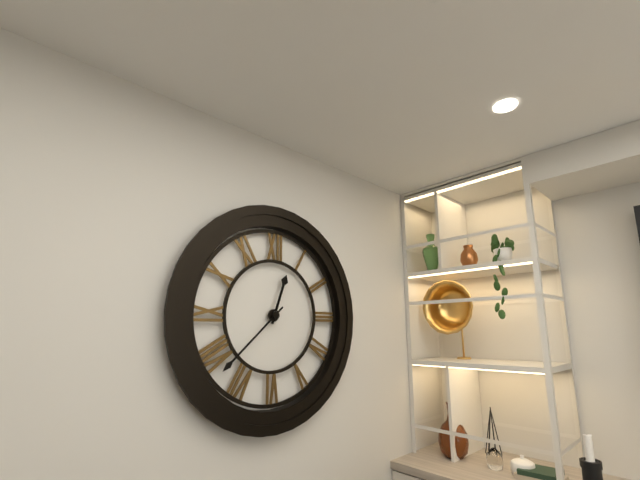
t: h=12 m=38
